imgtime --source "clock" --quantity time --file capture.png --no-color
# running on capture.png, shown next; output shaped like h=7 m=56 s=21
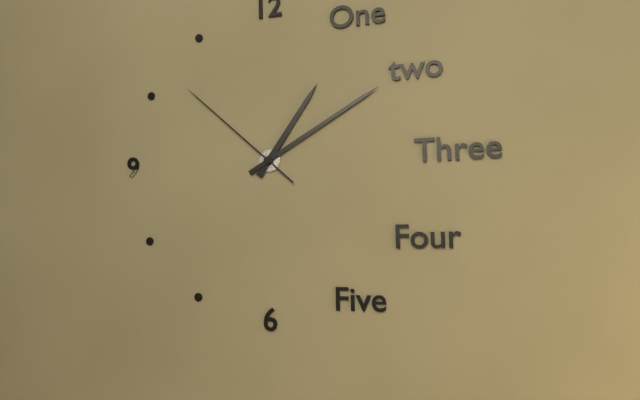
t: h=1 m=10 s=52
